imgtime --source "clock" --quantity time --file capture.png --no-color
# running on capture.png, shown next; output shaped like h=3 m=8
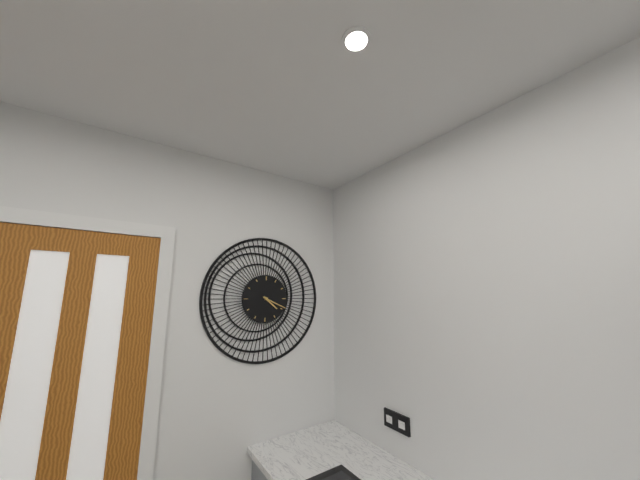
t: h=4 m=19
